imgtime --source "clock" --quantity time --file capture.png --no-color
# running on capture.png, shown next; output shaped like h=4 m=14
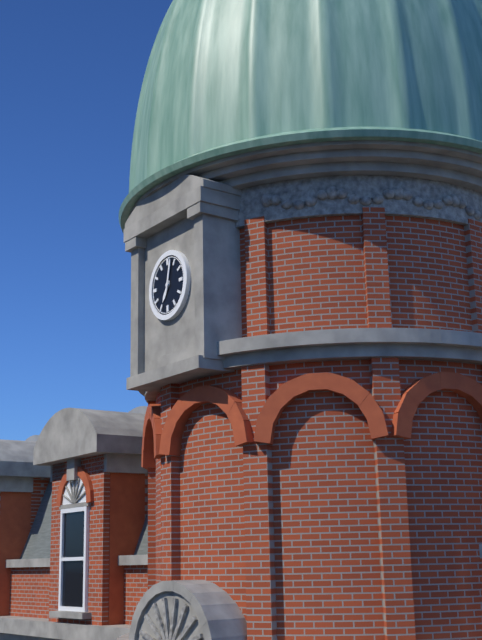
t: h=7 m=2
